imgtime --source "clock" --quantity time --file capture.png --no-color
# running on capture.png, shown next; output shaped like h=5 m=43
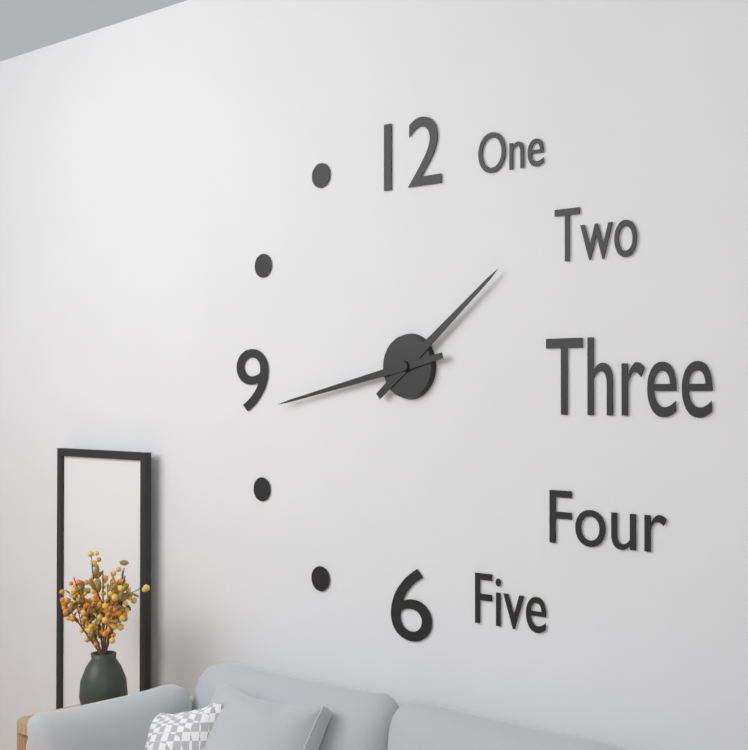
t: h=1 m=43
